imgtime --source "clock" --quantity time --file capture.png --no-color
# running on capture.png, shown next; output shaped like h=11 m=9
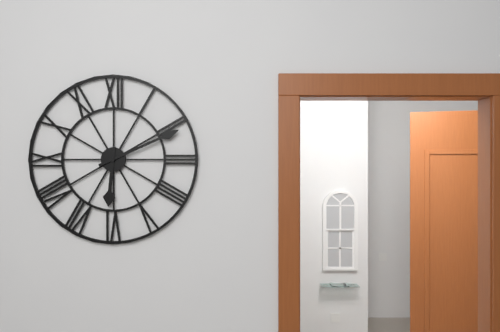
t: h=6 m=11
